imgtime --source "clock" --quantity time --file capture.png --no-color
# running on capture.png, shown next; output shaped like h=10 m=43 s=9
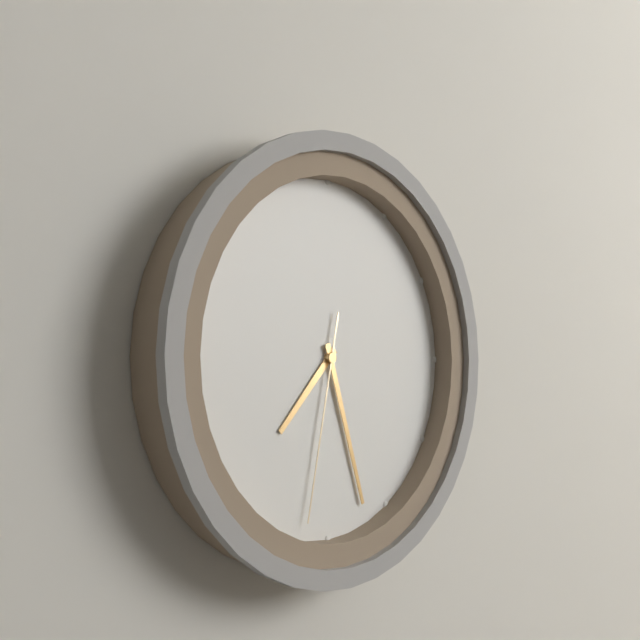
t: h=7 m=27 s=32
